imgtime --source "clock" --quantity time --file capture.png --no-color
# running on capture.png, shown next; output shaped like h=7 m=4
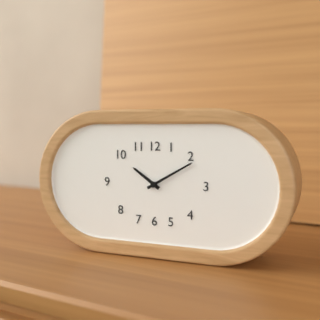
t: h=10 m=10
